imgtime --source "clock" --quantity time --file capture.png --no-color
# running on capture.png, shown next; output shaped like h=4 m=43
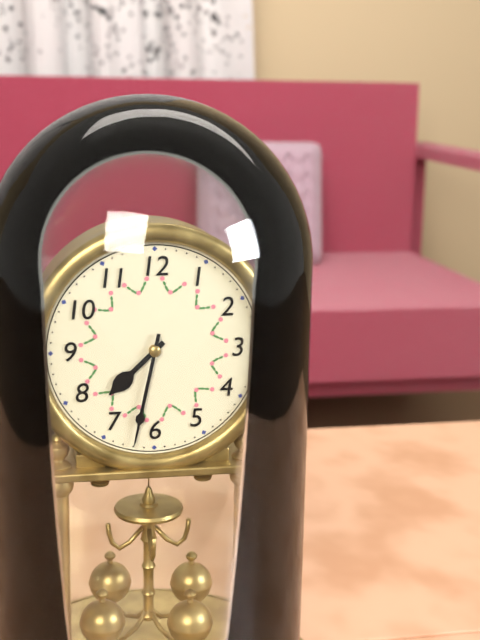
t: h=7 m=32
